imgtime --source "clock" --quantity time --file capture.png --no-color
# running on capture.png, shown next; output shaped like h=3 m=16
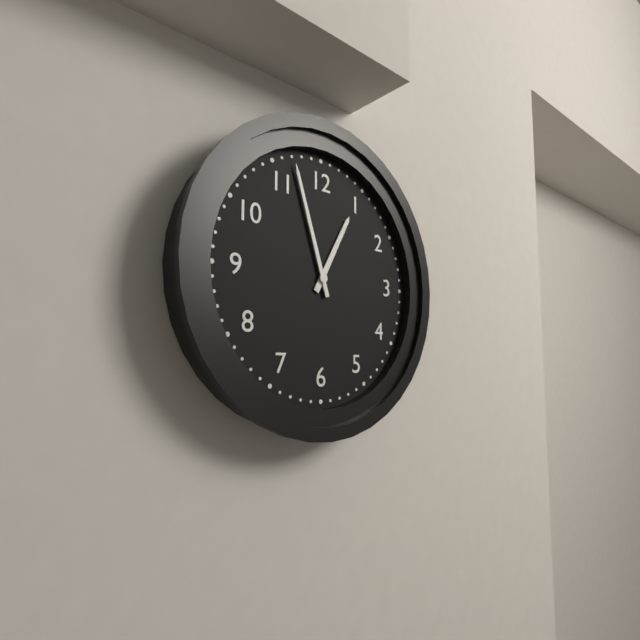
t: h=12 m=57
